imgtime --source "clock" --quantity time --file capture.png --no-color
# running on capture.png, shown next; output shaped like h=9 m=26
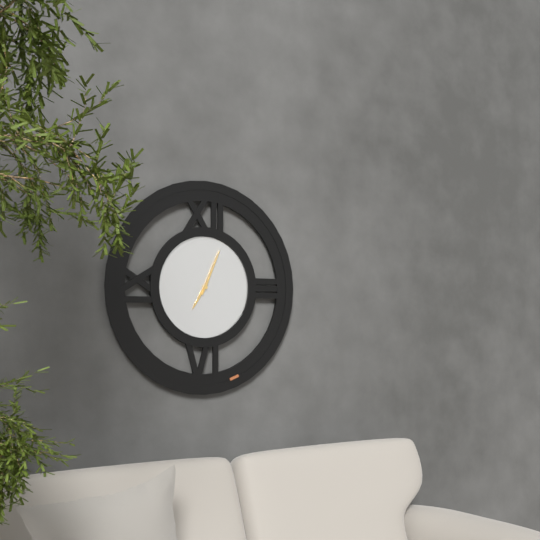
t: h=7 m=4
